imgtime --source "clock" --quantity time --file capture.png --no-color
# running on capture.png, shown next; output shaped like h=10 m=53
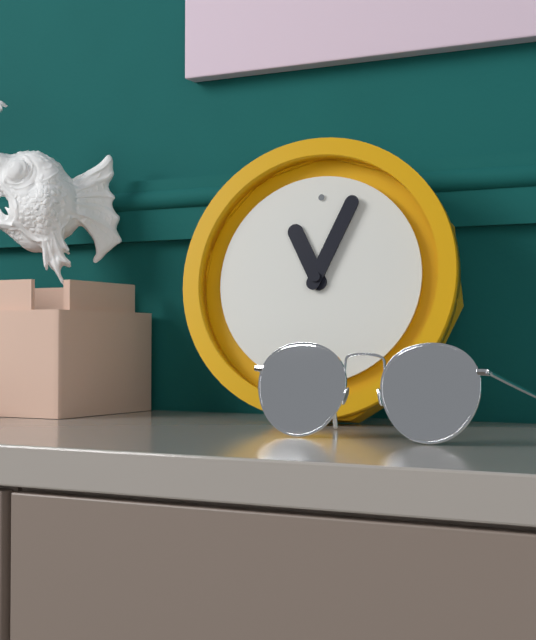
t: h=11 m=4
